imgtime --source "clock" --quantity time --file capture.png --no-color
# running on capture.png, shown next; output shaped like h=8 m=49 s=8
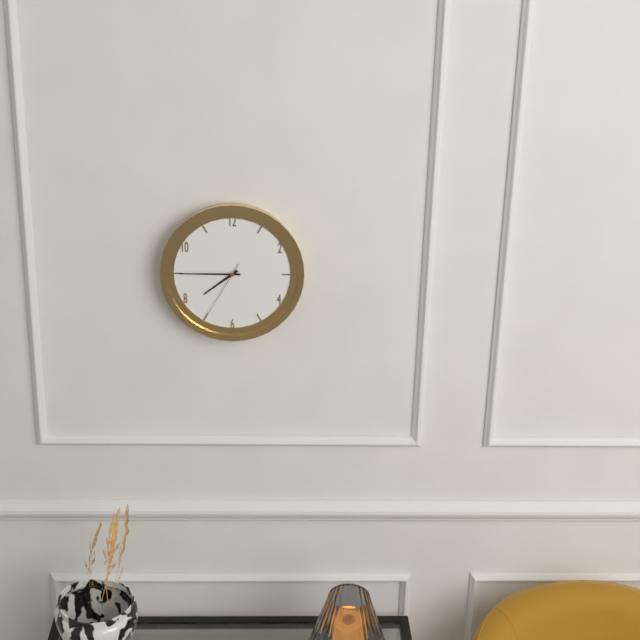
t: h=7 m=45 s=35
